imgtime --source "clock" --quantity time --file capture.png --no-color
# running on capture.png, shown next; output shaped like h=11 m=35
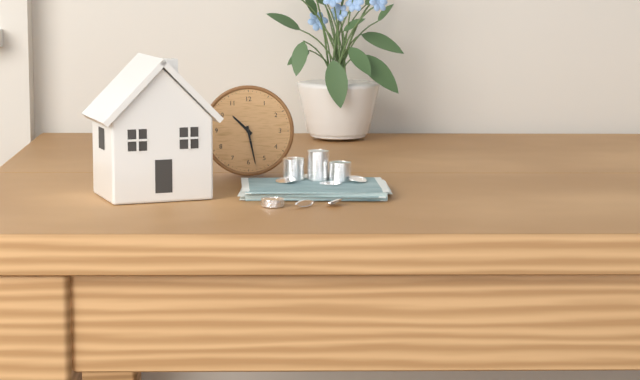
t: h=10 m=28
